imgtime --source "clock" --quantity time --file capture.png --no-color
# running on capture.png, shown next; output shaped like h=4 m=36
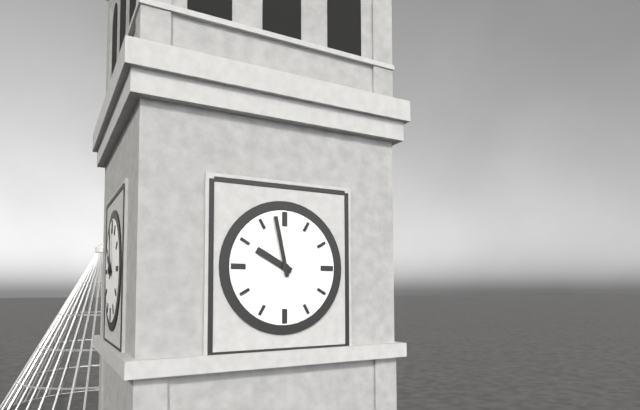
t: h=9 m=58
